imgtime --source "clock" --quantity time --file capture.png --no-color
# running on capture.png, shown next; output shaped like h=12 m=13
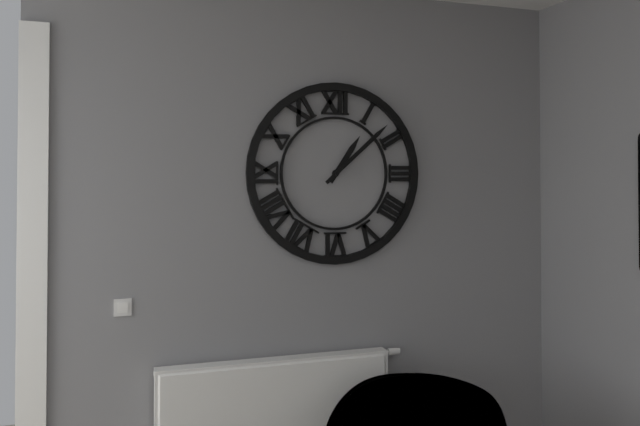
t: h=1 m=8
